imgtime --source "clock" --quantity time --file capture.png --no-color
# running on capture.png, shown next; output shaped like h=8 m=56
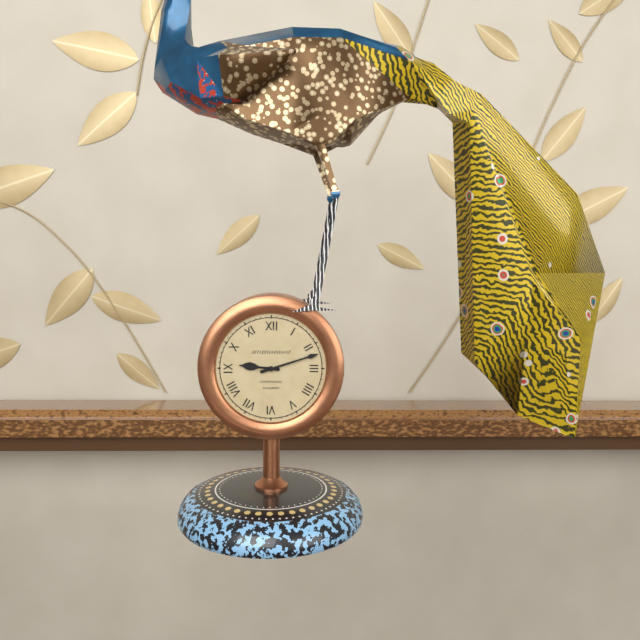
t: h=9 m=12
